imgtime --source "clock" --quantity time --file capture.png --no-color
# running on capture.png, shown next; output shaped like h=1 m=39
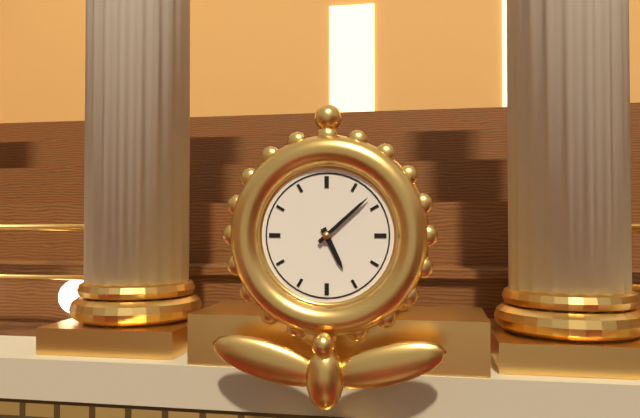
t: h=5 m=8
